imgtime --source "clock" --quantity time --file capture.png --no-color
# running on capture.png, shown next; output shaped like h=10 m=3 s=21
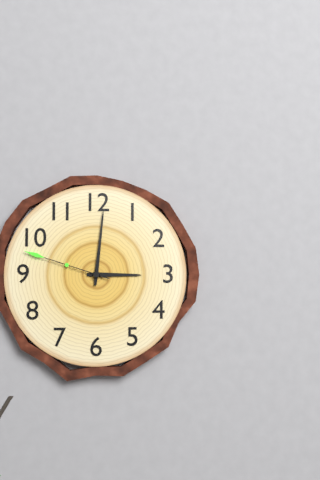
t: h=3 m=1 s=48
